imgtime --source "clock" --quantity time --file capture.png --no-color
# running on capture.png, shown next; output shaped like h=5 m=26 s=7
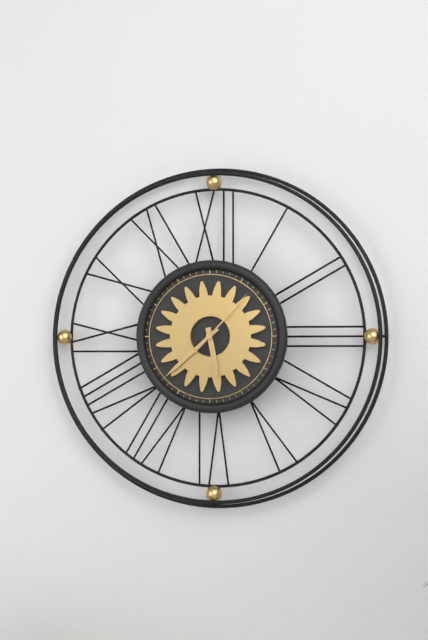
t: h=5 m=38 s=7
